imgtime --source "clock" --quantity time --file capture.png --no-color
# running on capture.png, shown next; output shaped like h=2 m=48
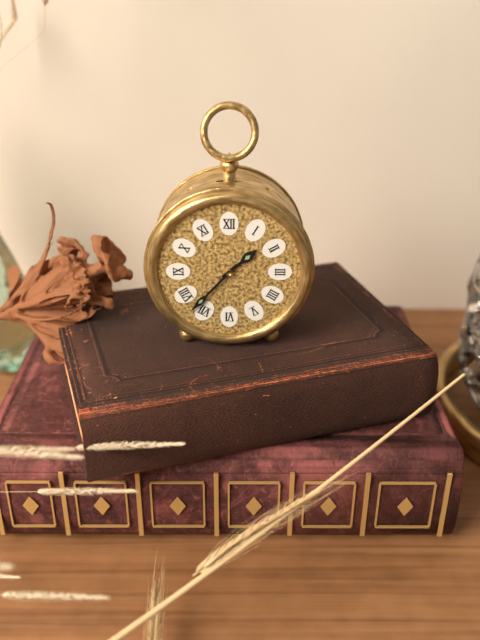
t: h=1 m=37
